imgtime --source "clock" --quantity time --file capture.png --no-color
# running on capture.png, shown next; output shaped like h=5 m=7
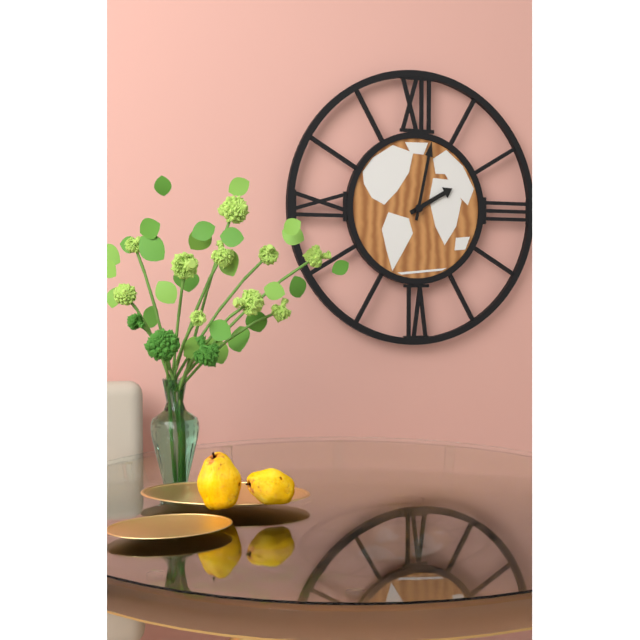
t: h=2 m=2
